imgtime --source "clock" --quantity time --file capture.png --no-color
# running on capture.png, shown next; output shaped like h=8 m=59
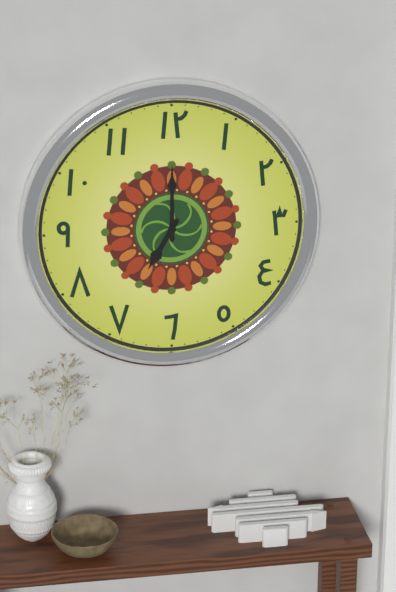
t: h=7 m=0
